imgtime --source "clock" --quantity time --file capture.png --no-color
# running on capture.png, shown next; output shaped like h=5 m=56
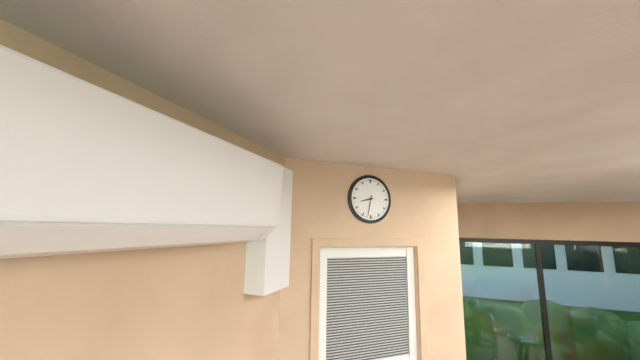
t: h=8 m=32
